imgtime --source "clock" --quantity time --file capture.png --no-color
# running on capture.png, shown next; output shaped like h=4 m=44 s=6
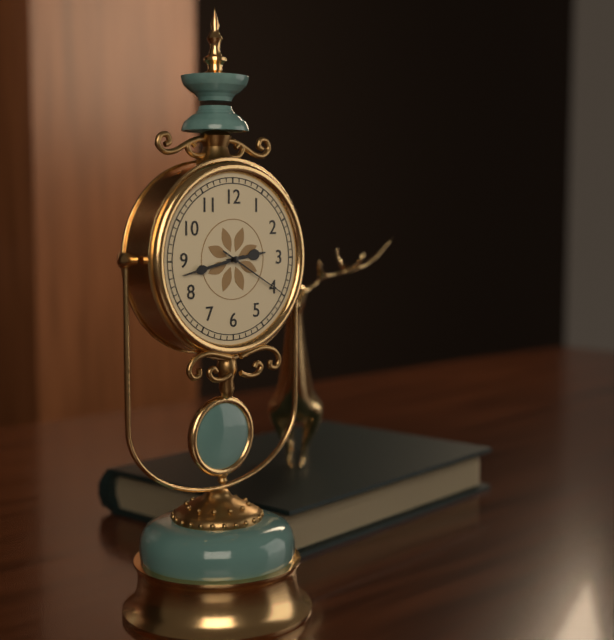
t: h=2 m=43 s=20
